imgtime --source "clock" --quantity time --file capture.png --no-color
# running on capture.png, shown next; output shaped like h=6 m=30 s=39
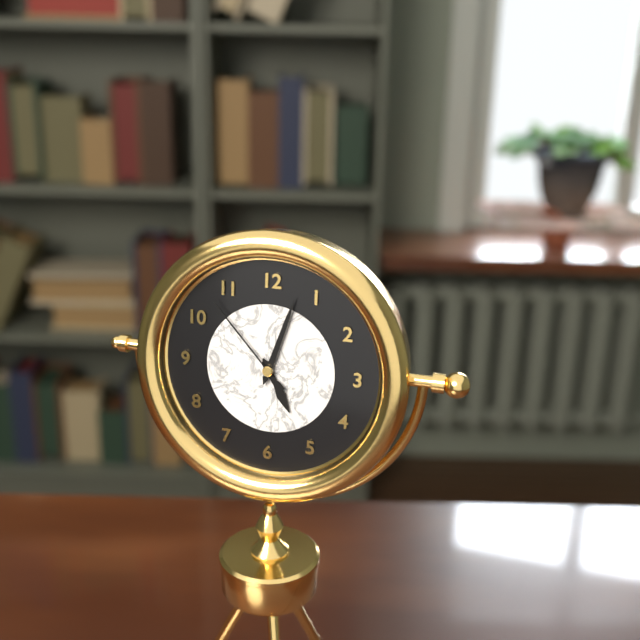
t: h=5 m=3 s=53
